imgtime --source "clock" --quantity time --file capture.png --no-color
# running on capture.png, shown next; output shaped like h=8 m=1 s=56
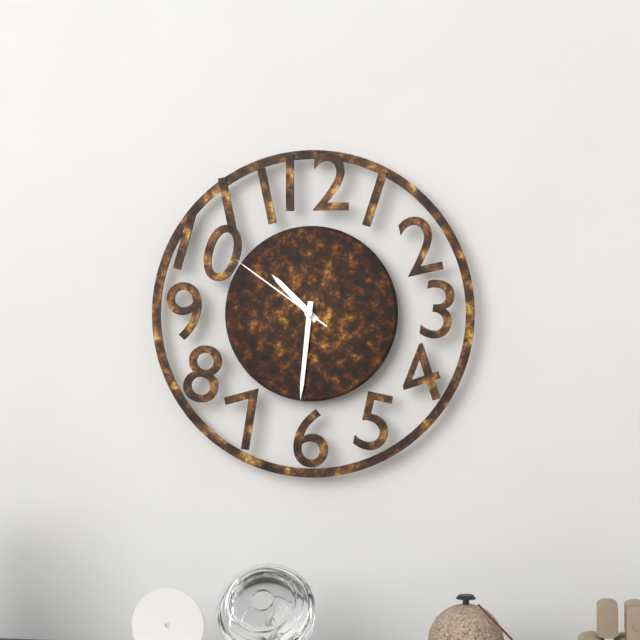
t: h=10 m=31 s=51
